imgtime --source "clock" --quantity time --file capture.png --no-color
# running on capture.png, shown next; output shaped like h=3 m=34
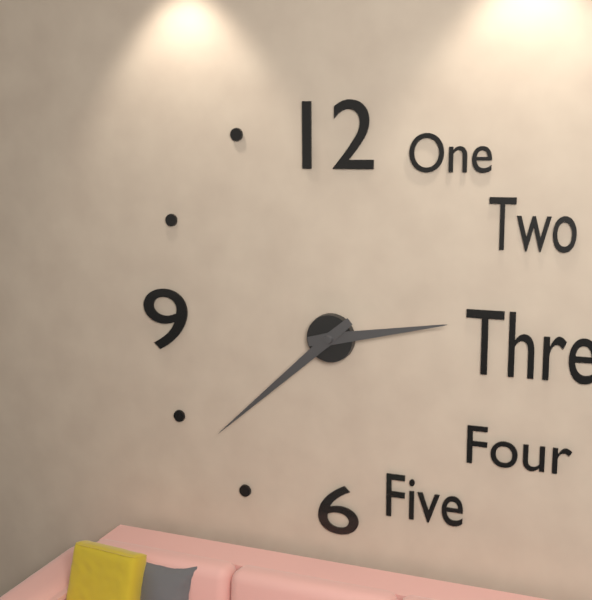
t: h=2 m=38
